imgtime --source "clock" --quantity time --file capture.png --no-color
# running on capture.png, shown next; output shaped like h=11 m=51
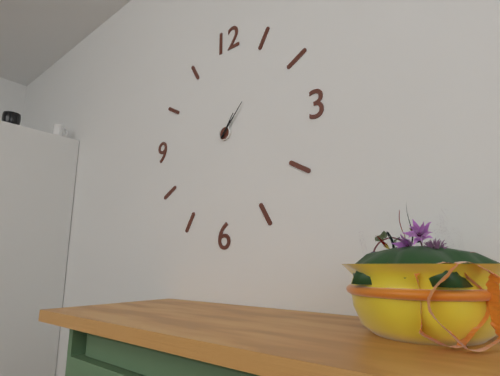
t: h=1 m=7
